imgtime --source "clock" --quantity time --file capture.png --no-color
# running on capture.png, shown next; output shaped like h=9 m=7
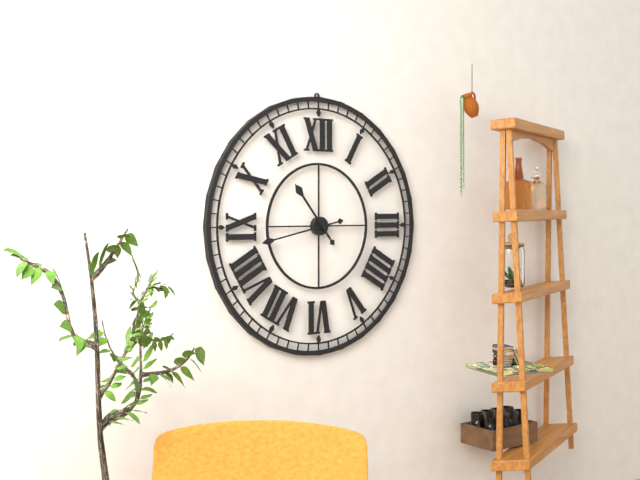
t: h=10 m=43
